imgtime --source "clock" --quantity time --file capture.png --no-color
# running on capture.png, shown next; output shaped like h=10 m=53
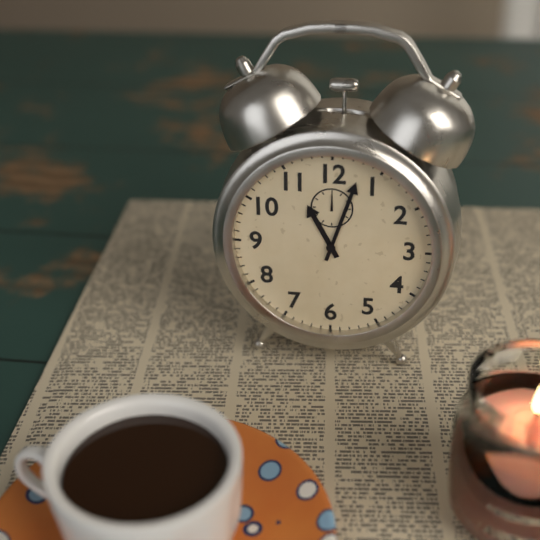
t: h=11 m=3
